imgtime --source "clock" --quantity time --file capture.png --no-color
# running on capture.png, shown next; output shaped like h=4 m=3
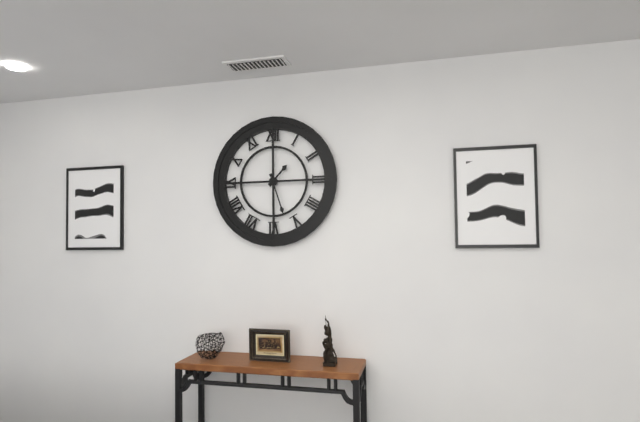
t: h=1 m=27
